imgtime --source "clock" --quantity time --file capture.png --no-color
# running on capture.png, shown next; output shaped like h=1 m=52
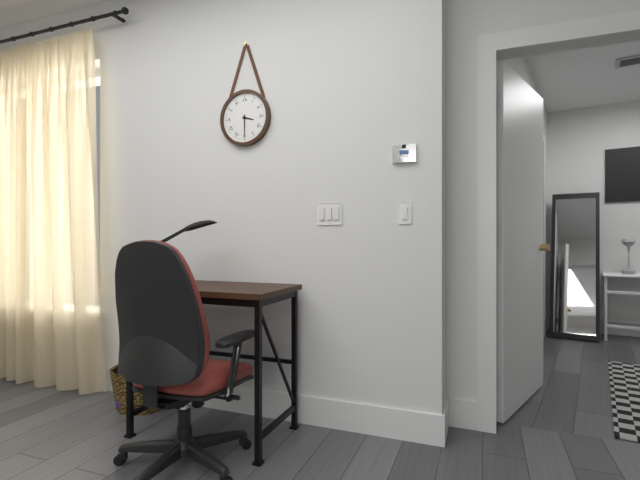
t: h=3 m=30
